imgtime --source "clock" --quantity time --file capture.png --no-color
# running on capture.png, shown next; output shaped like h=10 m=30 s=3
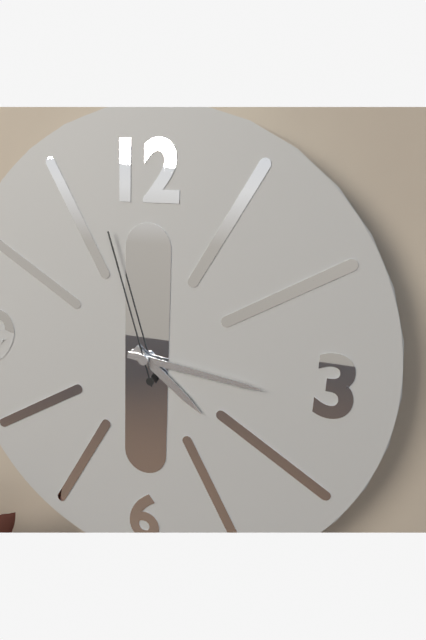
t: h=4 m=16 s=57
